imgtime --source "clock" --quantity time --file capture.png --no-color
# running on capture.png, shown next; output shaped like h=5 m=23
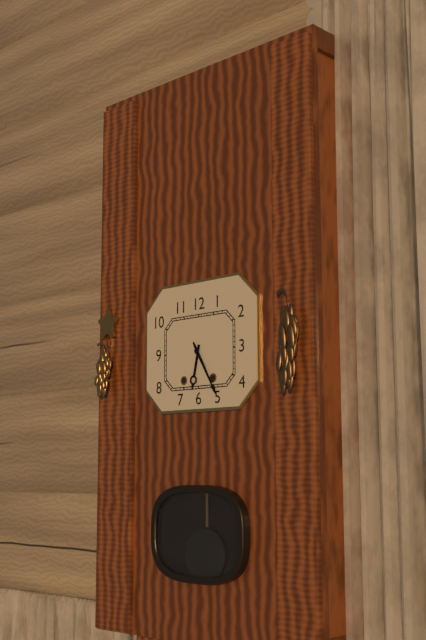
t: h=6 m=25
